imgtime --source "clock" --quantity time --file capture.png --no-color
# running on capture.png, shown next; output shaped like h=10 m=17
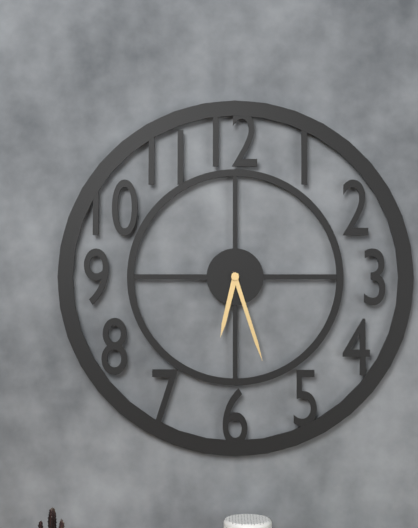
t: h=6 m=27
